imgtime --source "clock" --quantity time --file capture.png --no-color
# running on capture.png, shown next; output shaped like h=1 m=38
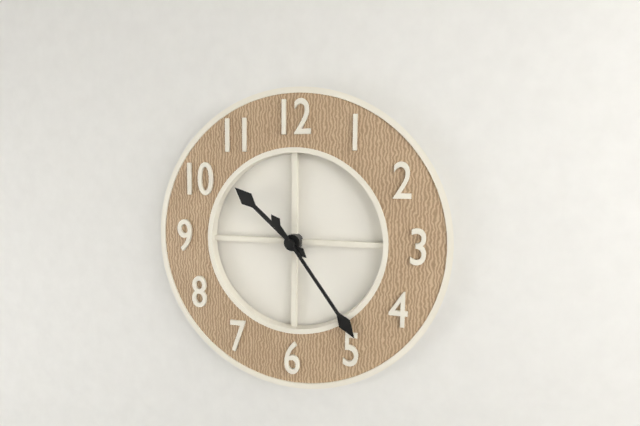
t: h=10 m=24
